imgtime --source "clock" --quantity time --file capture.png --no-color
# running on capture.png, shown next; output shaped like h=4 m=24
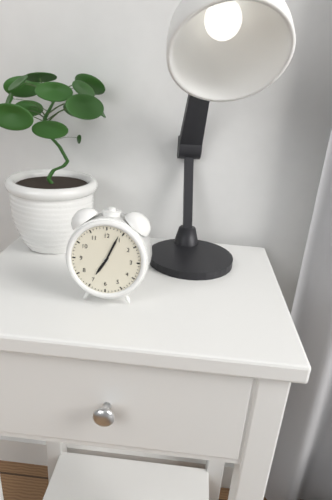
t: h=7 m=4
